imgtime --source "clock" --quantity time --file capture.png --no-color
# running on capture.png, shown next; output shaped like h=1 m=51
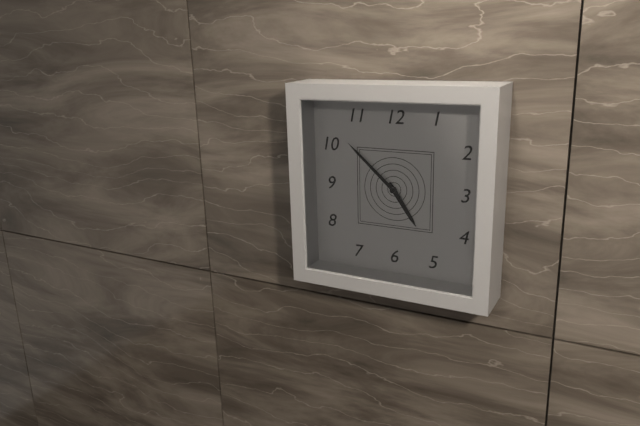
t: h=4 m=52
